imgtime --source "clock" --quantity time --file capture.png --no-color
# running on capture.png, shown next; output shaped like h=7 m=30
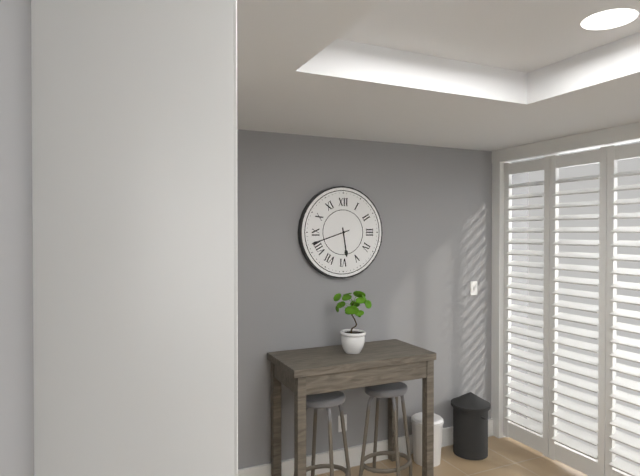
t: h=5 m=42
